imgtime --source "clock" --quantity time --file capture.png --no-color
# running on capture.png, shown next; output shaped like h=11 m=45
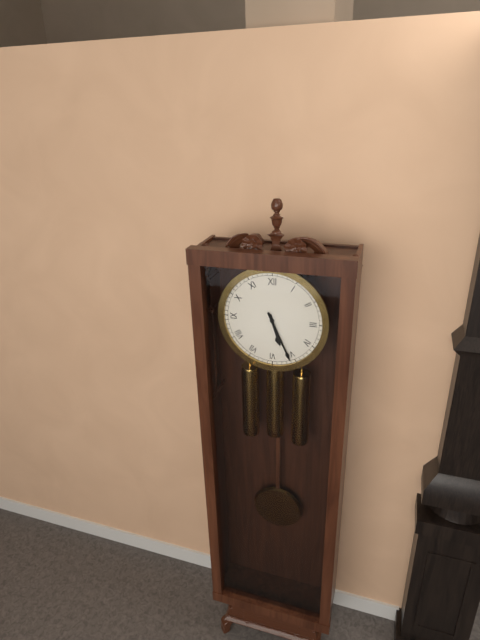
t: h=5 m=26
